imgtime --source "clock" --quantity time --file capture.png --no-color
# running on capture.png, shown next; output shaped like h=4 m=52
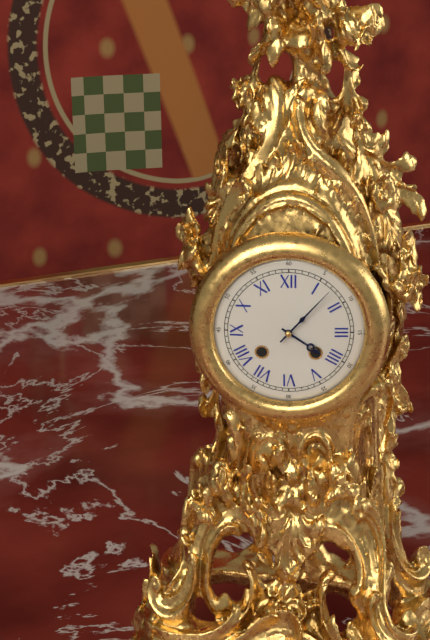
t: h=4 m=7
